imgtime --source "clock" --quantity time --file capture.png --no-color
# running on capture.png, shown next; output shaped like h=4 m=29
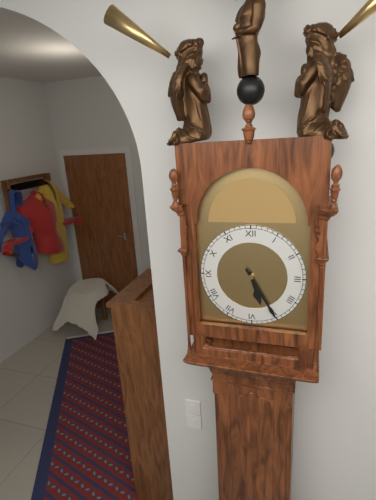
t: h=5 m=25
